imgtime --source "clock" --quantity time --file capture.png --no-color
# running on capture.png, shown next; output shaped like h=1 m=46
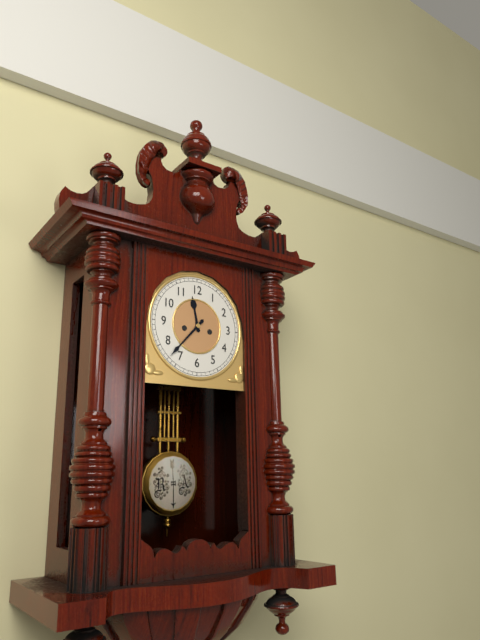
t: h=11 m=37
